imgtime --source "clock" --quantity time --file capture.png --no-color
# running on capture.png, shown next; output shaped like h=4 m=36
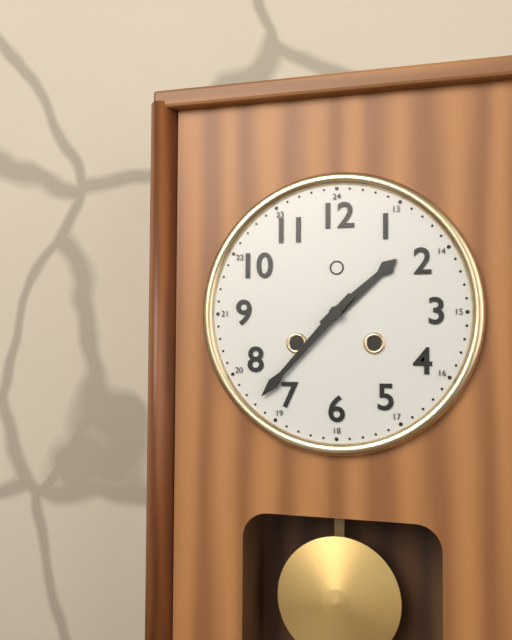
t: h=1 m=37
